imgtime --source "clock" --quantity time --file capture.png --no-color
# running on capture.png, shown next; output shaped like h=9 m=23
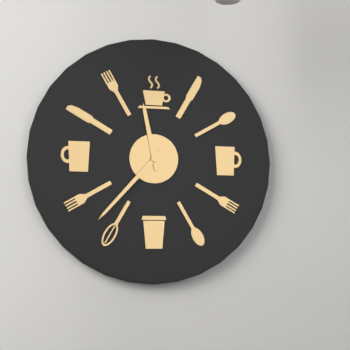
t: h=11 m=37
